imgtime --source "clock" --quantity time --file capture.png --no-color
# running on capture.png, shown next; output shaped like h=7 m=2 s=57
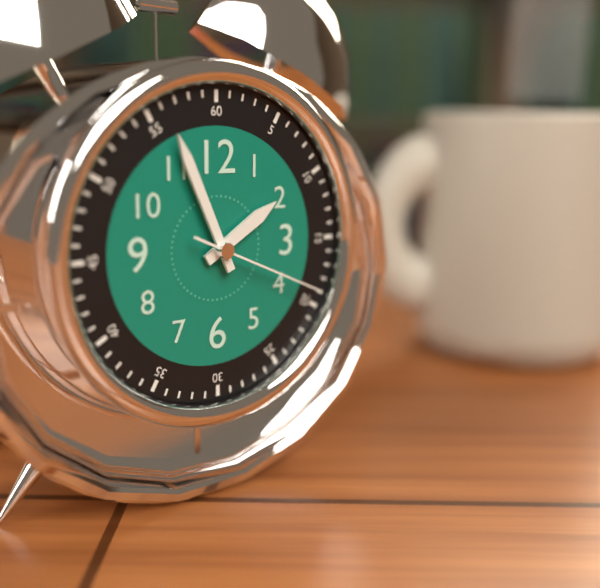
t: h=1 m=56 s=19
